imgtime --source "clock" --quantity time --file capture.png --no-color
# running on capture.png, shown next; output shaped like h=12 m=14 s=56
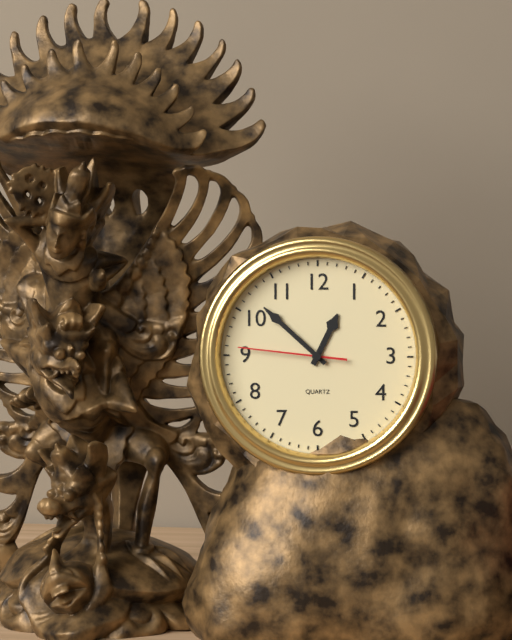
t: h=12 m=52 s=46
